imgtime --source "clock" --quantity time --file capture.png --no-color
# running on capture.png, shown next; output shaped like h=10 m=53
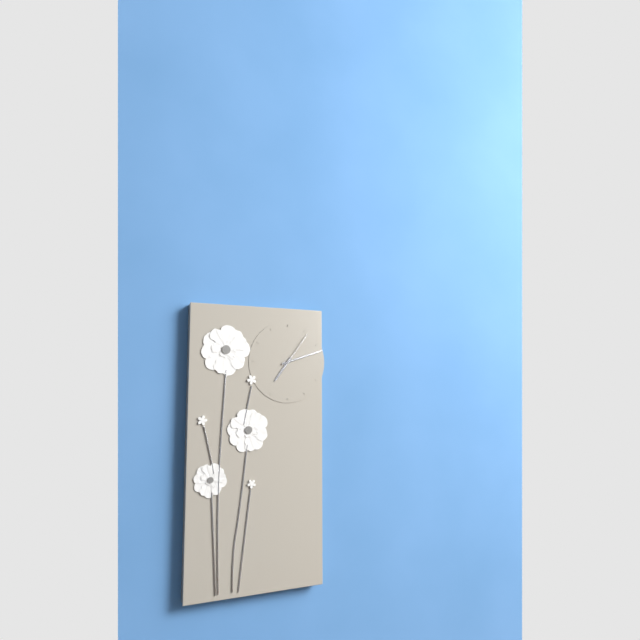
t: h=7 m=12
